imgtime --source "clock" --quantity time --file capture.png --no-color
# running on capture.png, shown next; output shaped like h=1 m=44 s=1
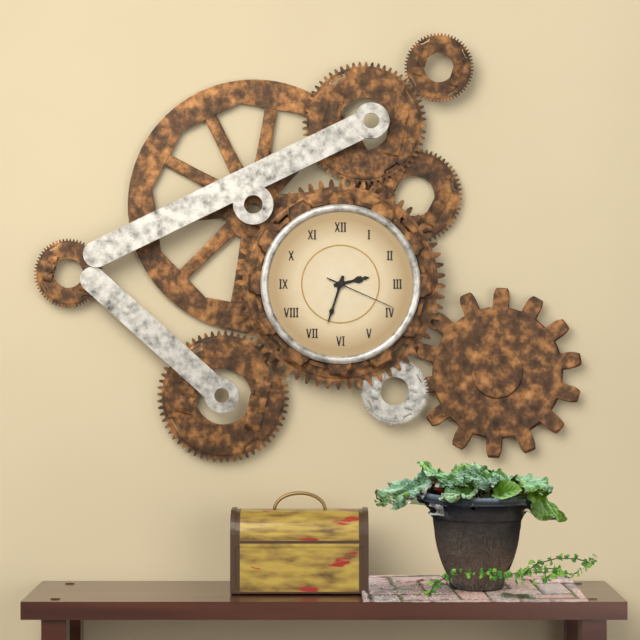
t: h=2 m=33 s=19
